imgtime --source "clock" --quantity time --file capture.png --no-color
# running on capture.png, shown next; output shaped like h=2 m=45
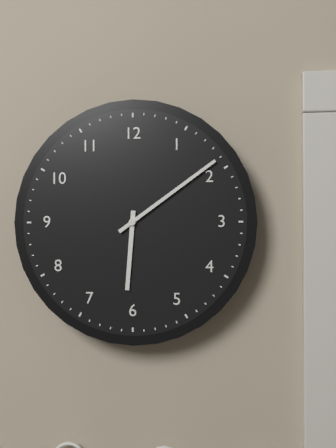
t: h=6 m=9
